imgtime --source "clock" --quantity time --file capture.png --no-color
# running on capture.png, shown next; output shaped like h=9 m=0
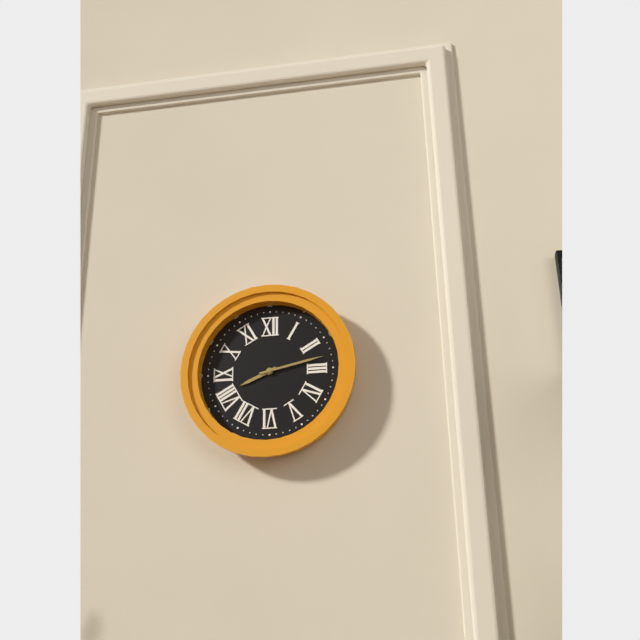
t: h=8 m=13
